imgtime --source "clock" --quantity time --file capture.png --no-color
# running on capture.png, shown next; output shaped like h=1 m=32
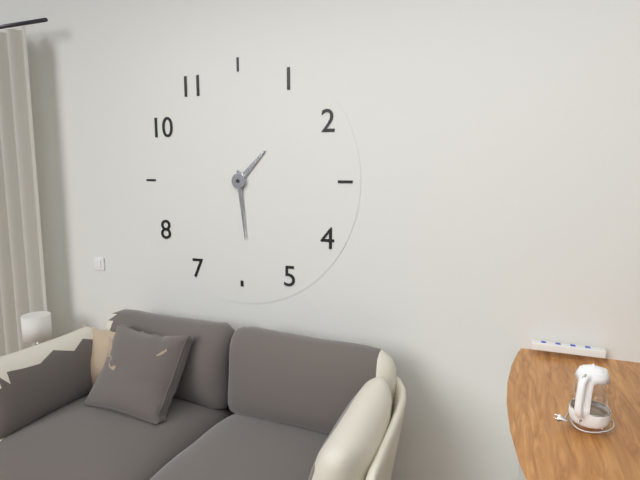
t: h=1 m=29
